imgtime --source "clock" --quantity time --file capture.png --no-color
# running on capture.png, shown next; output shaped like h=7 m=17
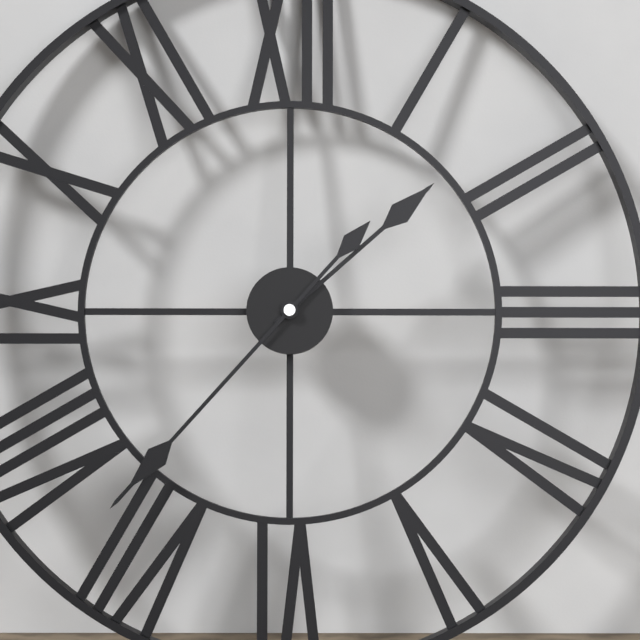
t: h=1 m=37
